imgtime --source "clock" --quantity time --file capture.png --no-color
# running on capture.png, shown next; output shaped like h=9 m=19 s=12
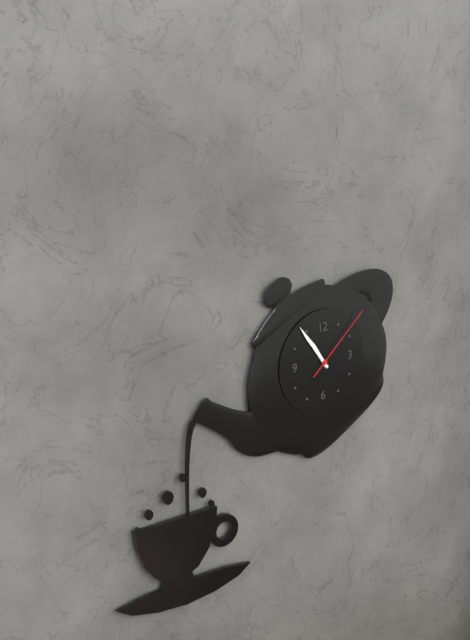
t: h=10 m=54 s=8
